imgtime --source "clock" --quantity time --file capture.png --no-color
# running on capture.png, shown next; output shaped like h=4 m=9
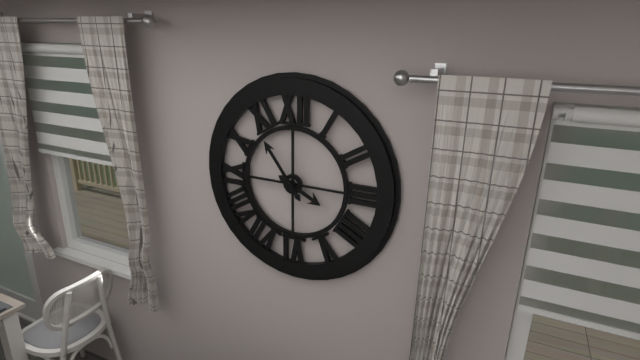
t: h=3 m=54
